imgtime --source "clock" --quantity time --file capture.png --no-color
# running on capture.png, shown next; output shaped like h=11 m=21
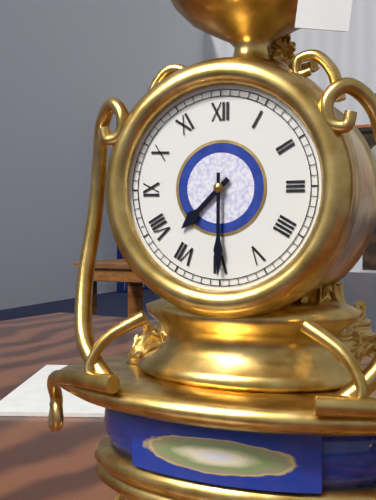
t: h=7 m=30
